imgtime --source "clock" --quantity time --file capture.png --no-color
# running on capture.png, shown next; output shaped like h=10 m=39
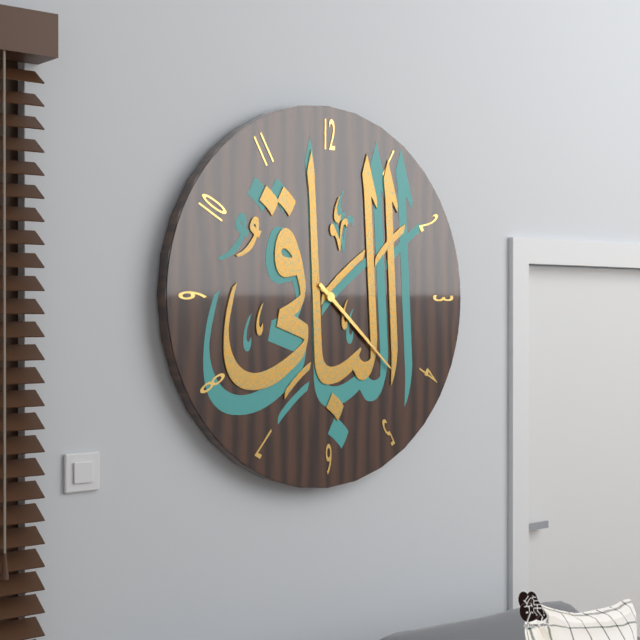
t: h=4 m=22
